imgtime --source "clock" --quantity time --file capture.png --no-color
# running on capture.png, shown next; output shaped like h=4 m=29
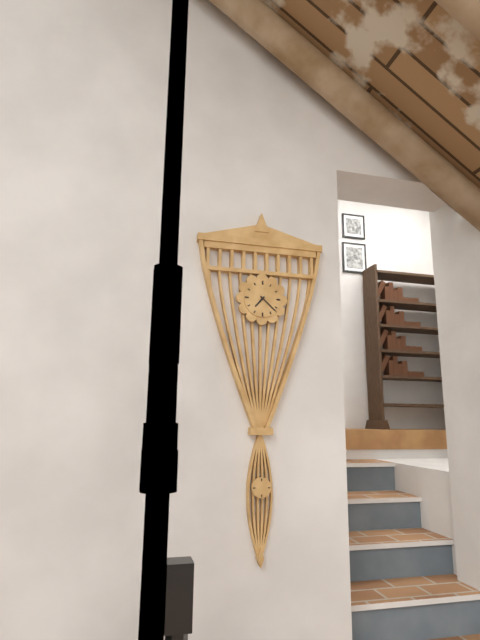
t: h=7 m=22
